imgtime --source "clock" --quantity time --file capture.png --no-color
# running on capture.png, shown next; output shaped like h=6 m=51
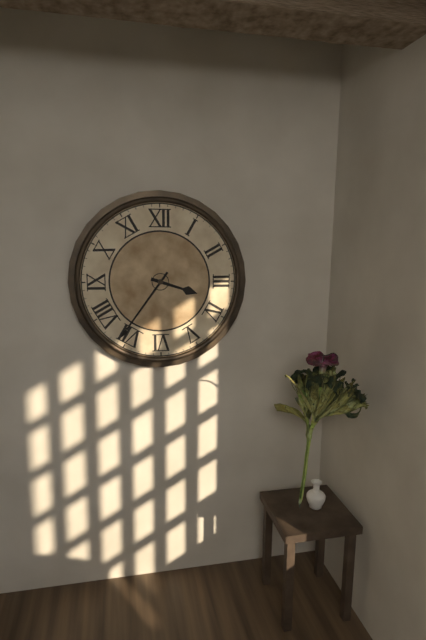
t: h=3 m=36
